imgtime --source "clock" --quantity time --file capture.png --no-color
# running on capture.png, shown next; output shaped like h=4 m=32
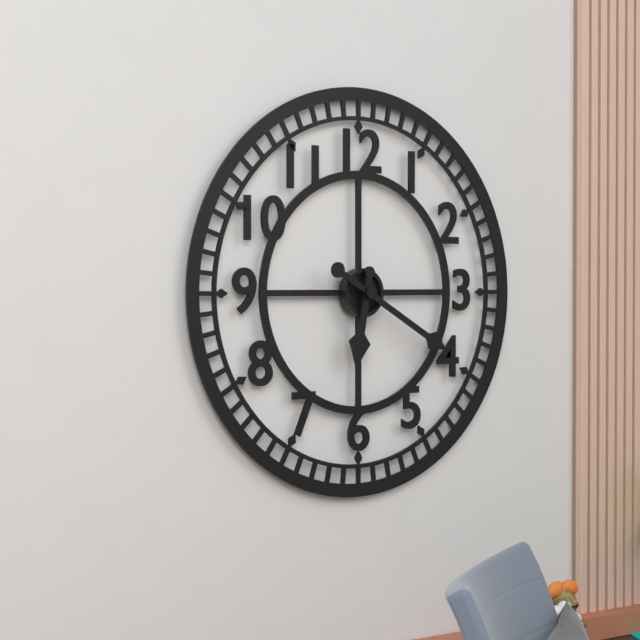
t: h=6 m=20
